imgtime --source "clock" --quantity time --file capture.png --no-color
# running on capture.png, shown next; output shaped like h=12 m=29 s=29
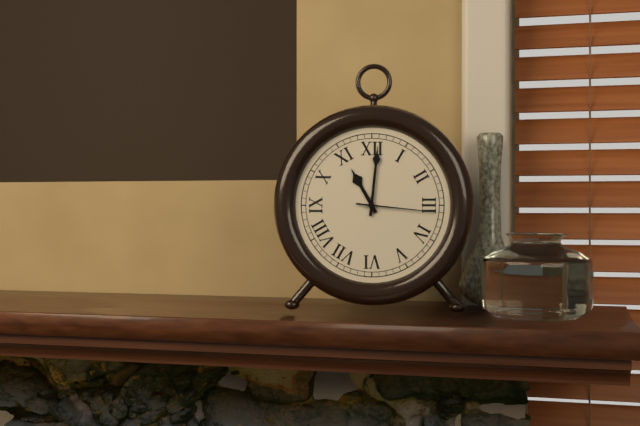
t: h=11 m=1 s=16
